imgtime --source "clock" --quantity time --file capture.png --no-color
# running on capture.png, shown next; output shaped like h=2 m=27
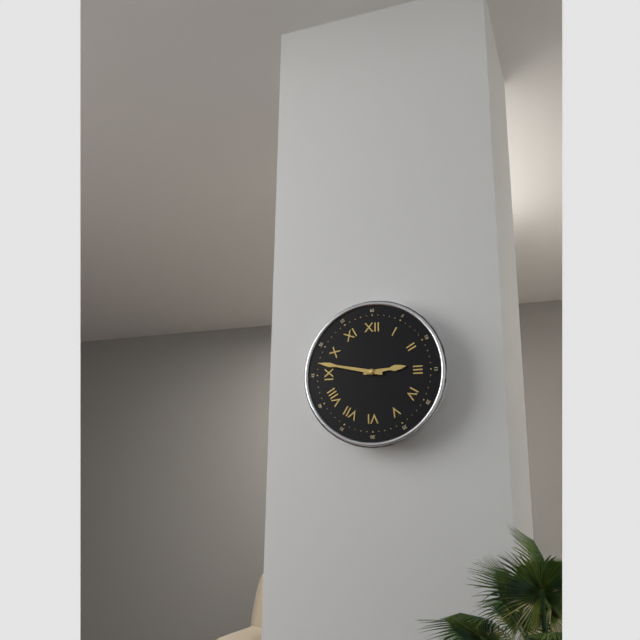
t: h=2 m=47
